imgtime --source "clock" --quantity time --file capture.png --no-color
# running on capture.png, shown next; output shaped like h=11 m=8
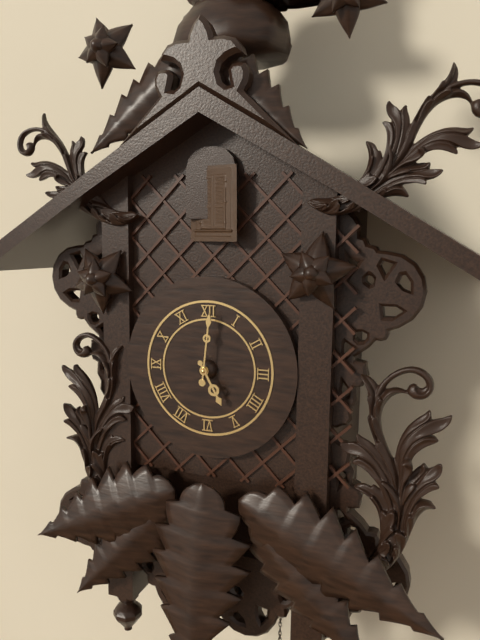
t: h=5 m=1
